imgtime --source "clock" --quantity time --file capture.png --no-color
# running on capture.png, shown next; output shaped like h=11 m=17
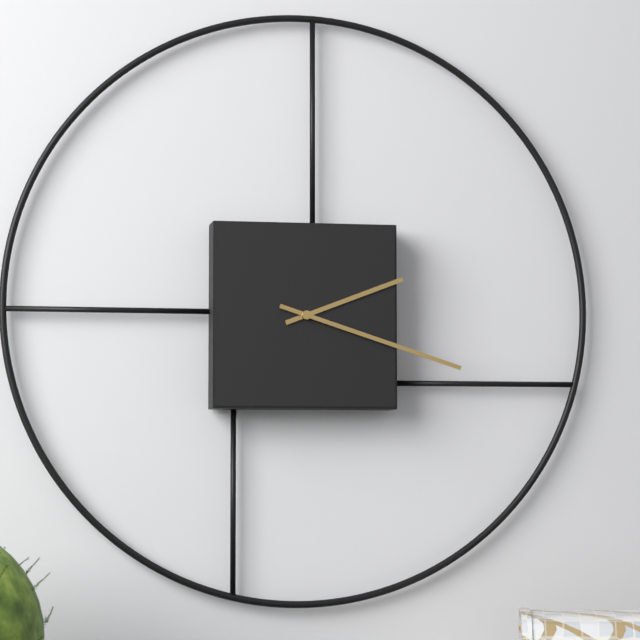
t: h=2 m=18
